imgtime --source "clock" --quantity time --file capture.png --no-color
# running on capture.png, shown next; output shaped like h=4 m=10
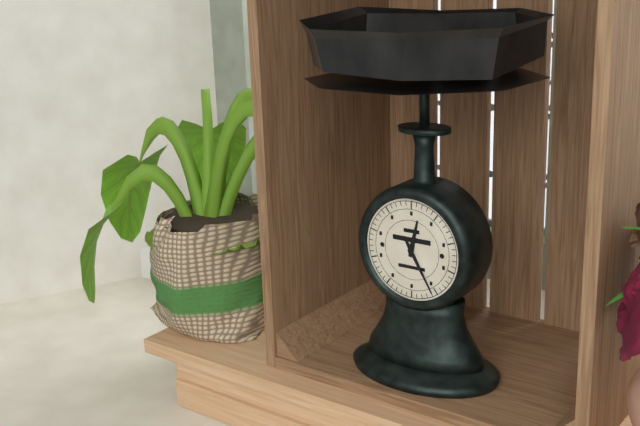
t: h=12 m=25
